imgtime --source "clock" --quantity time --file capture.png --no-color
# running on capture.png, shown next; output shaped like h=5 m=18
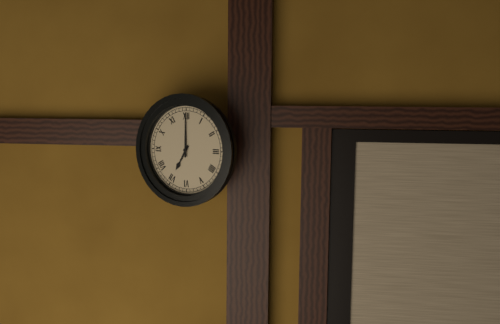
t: h=7 m=0
